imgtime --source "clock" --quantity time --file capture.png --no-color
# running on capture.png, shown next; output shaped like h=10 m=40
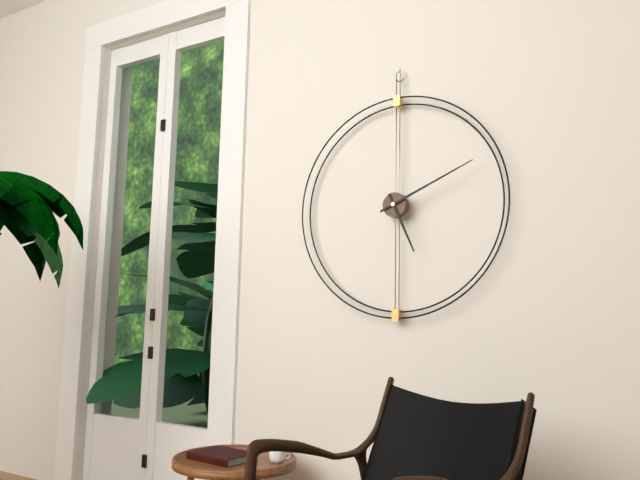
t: h=5 m=11
